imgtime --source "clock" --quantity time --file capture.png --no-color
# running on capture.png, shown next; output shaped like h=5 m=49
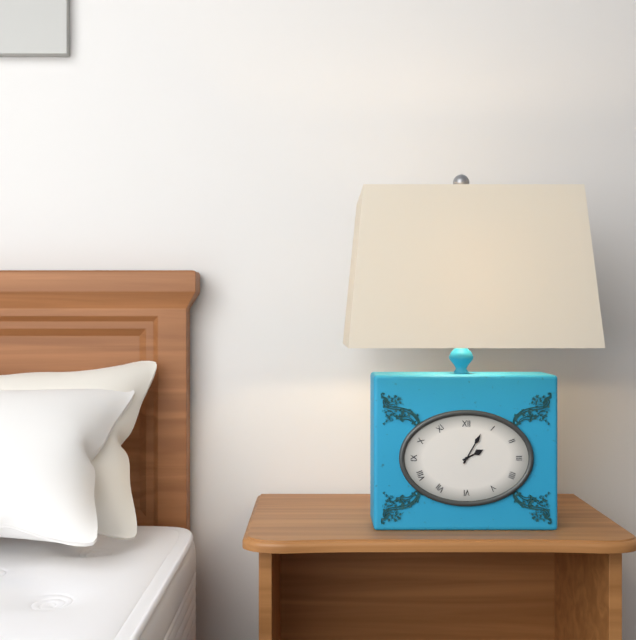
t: h=2 m=5
